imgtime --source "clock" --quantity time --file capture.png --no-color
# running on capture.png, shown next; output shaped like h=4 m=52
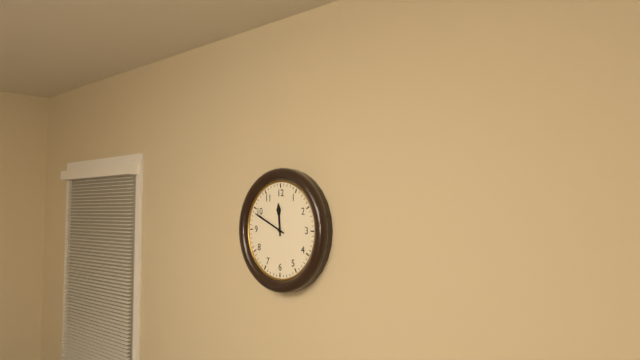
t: h=11 m=49
